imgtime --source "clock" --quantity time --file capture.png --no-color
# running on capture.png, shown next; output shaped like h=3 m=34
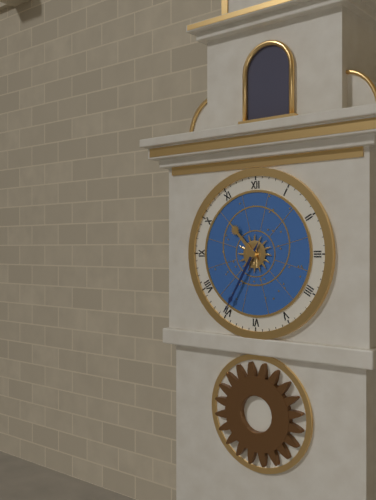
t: h=10 m=35
